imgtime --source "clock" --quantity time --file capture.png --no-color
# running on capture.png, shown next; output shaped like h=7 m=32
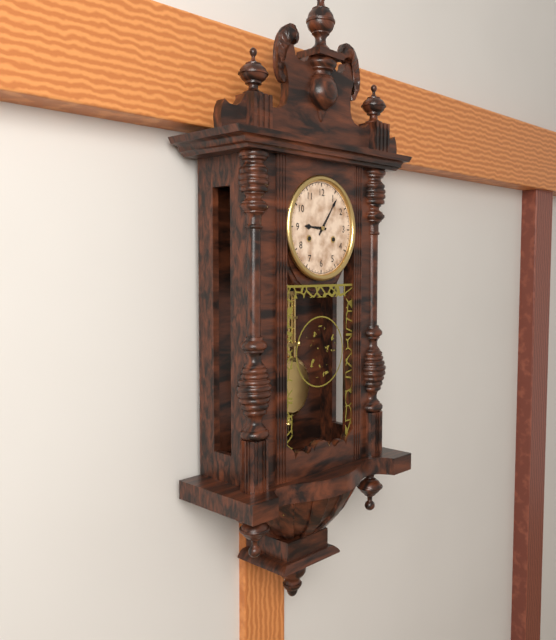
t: h=9 m=6
